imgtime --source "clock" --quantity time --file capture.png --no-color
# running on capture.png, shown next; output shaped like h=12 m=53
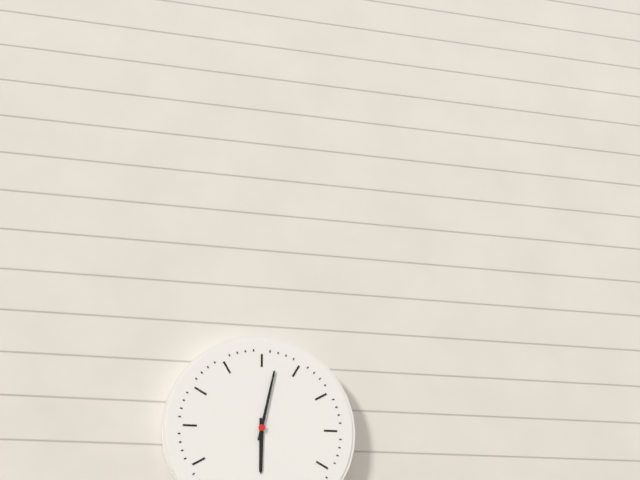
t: h=6 m=2
